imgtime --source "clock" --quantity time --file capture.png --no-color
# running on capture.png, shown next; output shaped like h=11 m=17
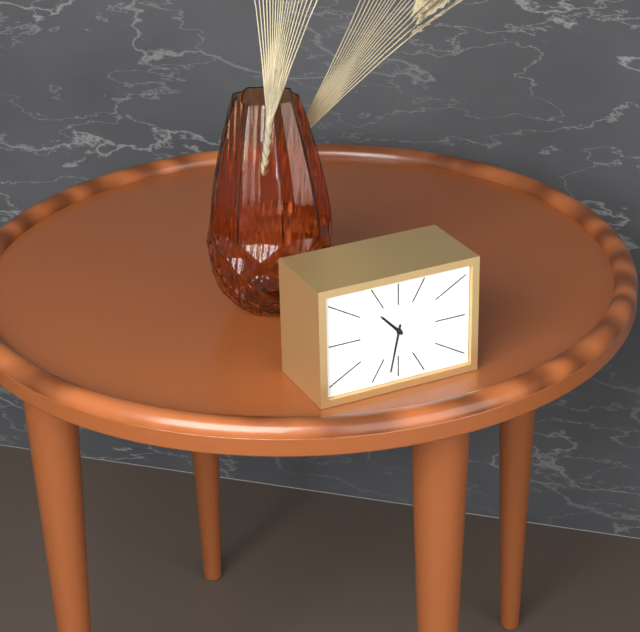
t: h=10 m=32
